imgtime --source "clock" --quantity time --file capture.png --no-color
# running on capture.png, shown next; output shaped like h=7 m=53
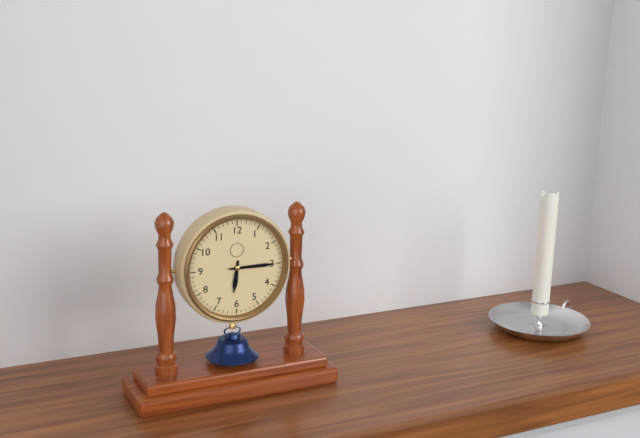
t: h=6 m=15
